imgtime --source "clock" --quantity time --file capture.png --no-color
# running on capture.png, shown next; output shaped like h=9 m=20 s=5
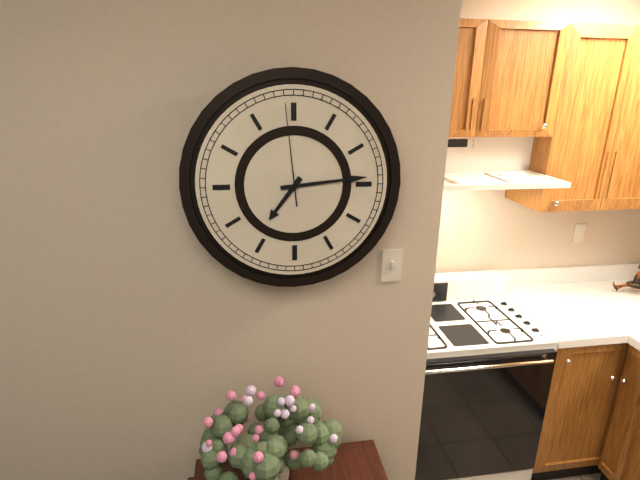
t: h=7 m=14 s=59
